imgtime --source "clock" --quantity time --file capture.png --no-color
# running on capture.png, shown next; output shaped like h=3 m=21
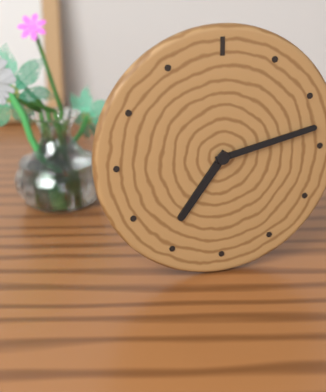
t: h=7 m=13
